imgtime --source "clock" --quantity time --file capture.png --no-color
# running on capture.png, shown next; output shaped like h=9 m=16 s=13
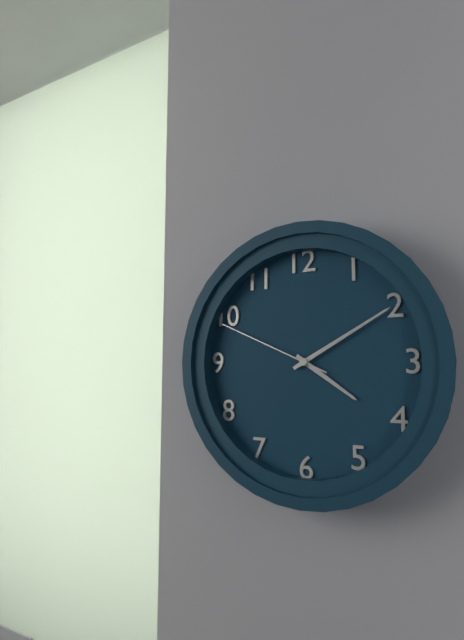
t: h=4 m=10 s=49
